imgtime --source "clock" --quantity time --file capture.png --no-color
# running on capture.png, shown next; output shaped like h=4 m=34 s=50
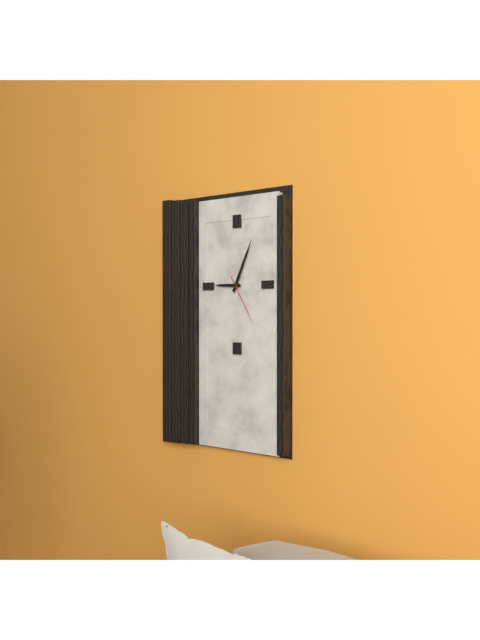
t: h=9 m=4 s=25
